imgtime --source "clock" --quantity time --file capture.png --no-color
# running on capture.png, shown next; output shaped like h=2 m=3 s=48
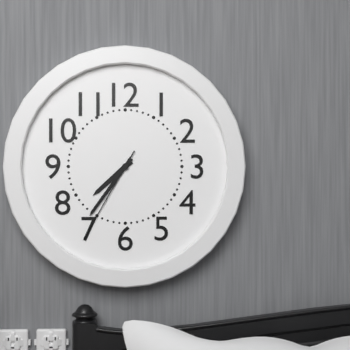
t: h=7 m=36 s=35
